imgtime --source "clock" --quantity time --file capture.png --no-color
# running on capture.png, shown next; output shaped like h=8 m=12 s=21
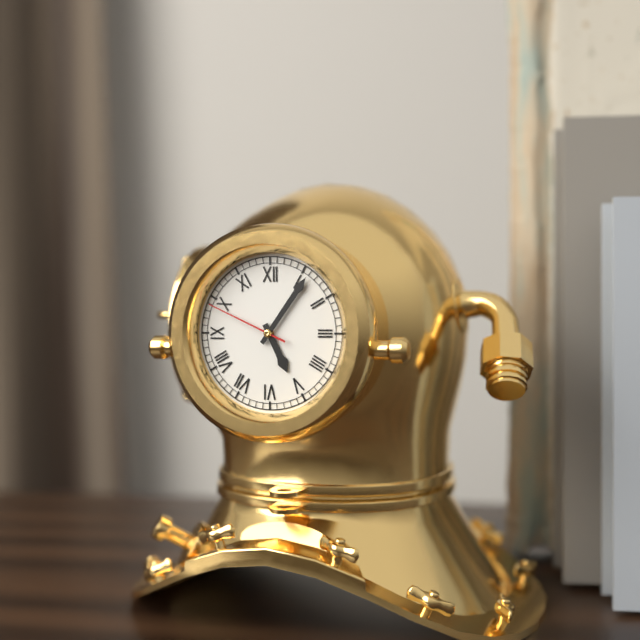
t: h=5 m=6 s=49
